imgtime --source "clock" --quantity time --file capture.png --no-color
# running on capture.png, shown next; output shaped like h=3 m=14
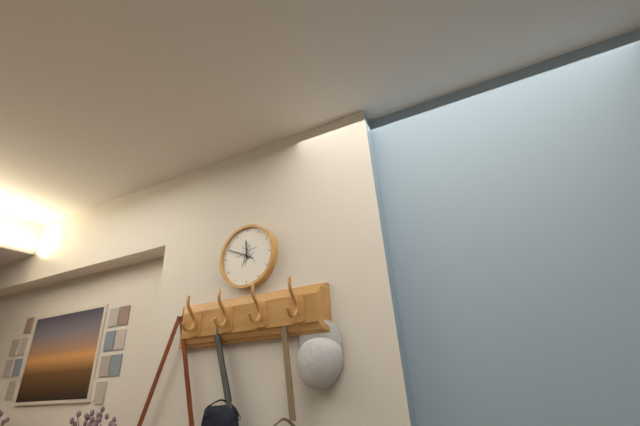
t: h=11 m=49
